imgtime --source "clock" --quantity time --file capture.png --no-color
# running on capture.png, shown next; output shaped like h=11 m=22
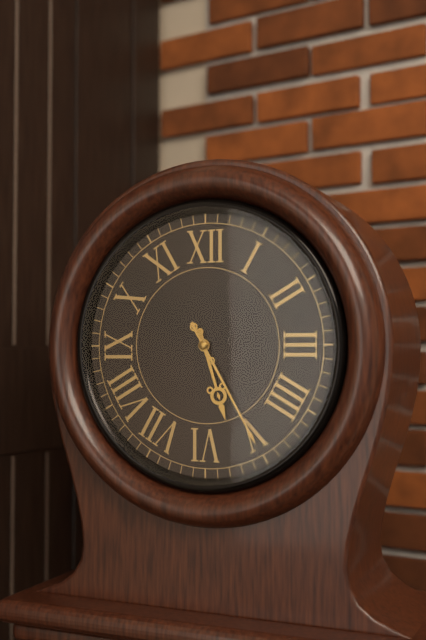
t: h=5 m=25
